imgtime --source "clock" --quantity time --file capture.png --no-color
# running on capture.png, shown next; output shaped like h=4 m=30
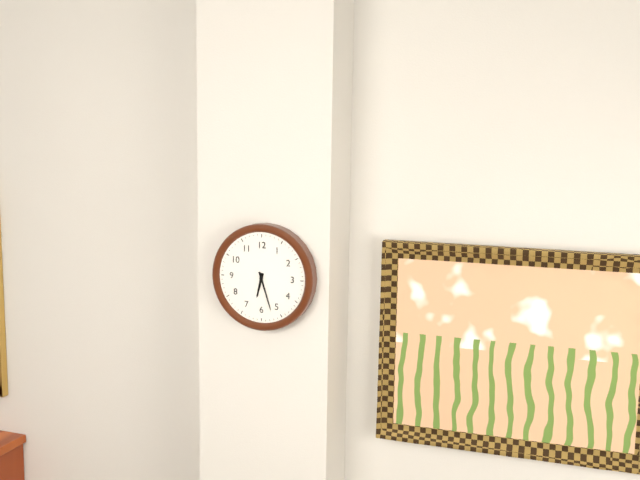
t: h=6 m=27
